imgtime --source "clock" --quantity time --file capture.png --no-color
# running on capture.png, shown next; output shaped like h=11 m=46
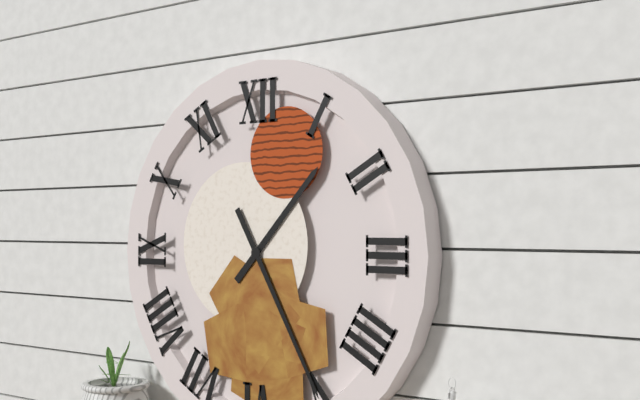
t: h=1 m=25
